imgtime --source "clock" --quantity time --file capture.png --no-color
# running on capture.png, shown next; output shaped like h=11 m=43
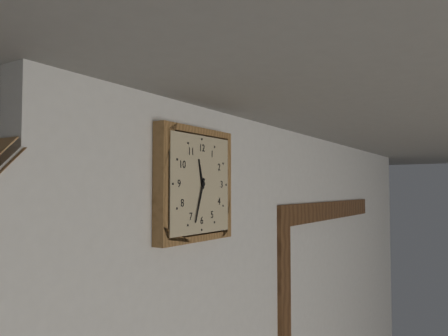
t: h=11 m=33
